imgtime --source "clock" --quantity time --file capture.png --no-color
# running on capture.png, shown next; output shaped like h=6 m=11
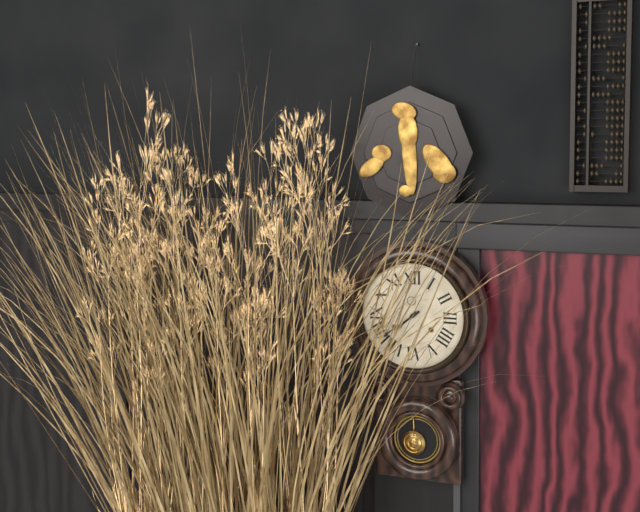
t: h=7 m=39
